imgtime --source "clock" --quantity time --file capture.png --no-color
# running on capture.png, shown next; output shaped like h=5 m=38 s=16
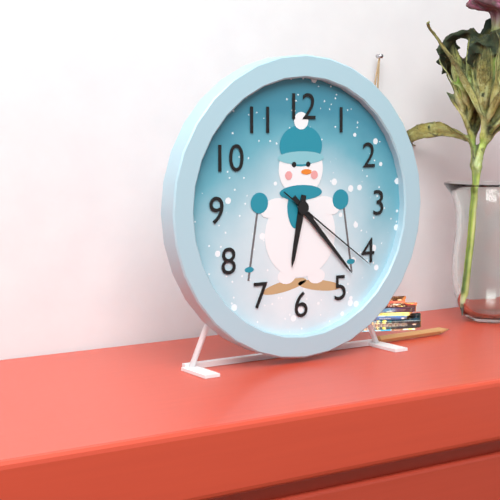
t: h=6 m=23 s=21
